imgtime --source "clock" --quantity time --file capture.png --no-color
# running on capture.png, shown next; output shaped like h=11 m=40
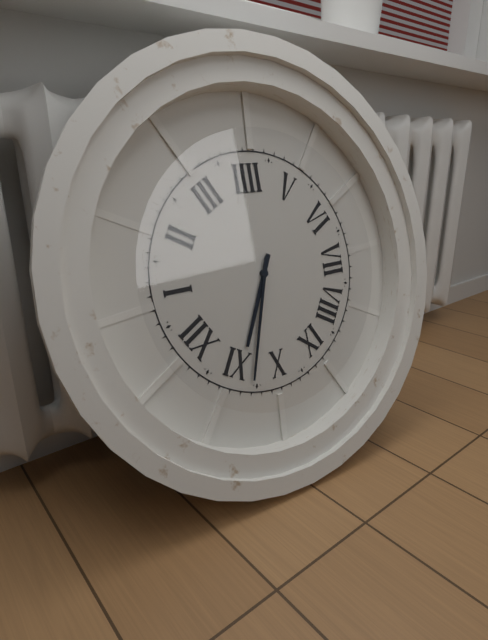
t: h=10 m=53
